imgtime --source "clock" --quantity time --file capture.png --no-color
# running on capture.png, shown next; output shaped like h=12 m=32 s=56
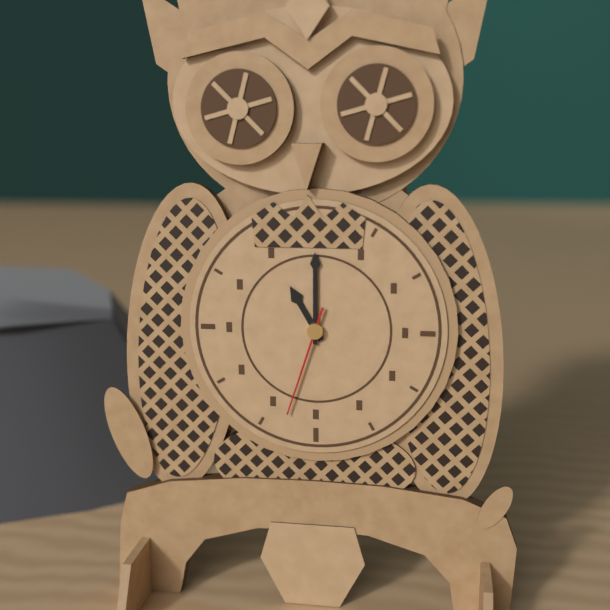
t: h=11 m=0 s=33
